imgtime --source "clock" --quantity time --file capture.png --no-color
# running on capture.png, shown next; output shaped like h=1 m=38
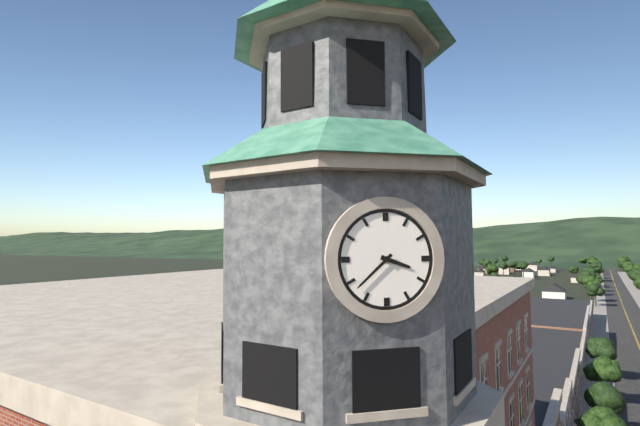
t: h=3 m=38
